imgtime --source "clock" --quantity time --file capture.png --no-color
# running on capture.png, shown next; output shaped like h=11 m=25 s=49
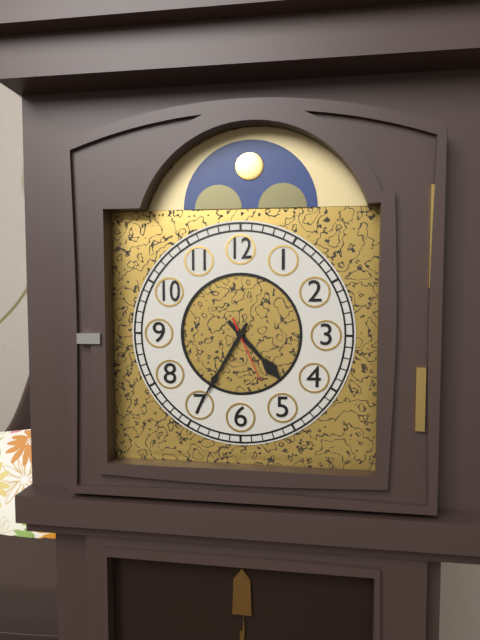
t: h=4 m=35 s=26
